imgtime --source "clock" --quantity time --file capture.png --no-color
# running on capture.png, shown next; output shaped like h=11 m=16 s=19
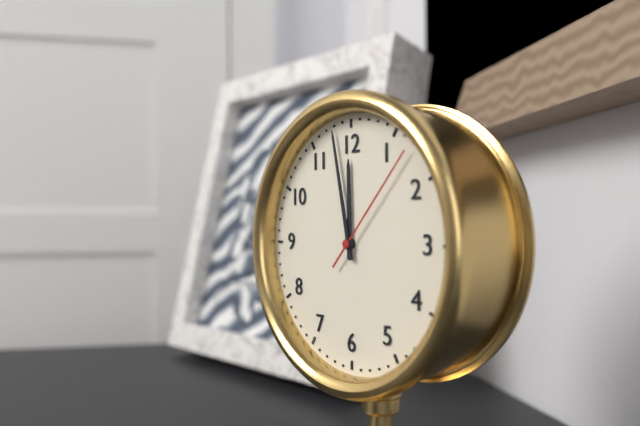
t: h=11 m=58 s=7
